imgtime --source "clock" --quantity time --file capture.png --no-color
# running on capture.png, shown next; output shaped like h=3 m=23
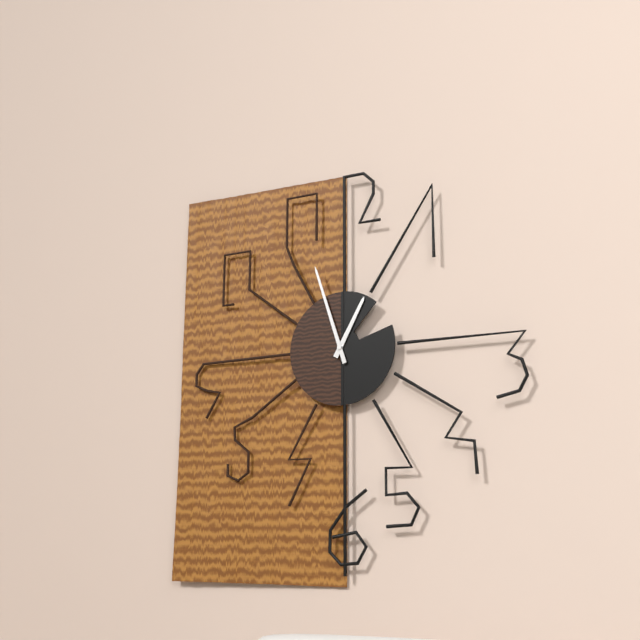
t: h=12 m=57
